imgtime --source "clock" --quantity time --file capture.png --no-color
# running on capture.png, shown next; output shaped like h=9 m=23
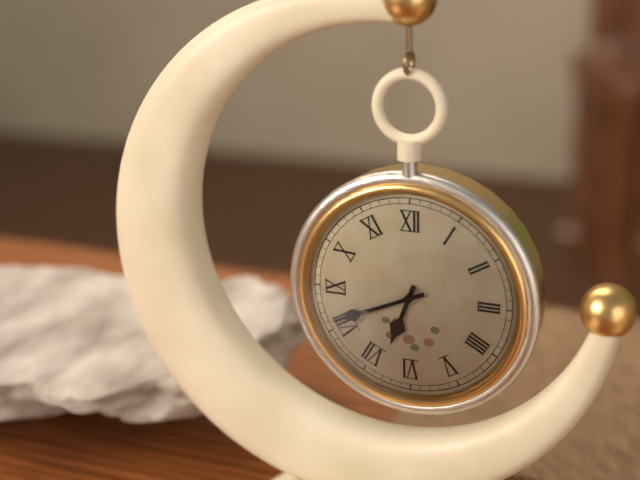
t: h=6 m=41
